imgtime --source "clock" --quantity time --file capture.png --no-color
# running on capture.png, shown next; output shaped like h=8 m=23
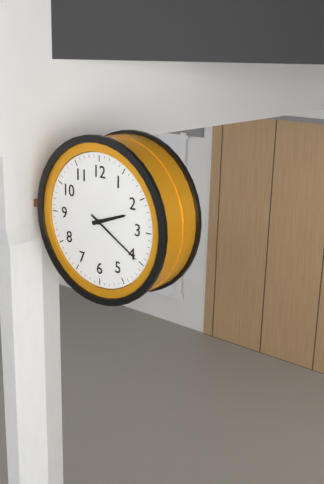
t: h=2 m=20
